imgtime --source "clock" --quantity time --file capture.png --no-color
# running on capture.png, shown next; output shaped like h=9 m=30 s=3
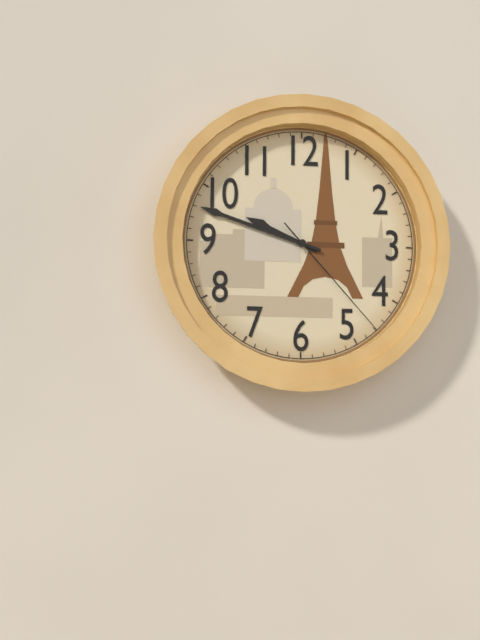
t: h=9 m=48 s=23
